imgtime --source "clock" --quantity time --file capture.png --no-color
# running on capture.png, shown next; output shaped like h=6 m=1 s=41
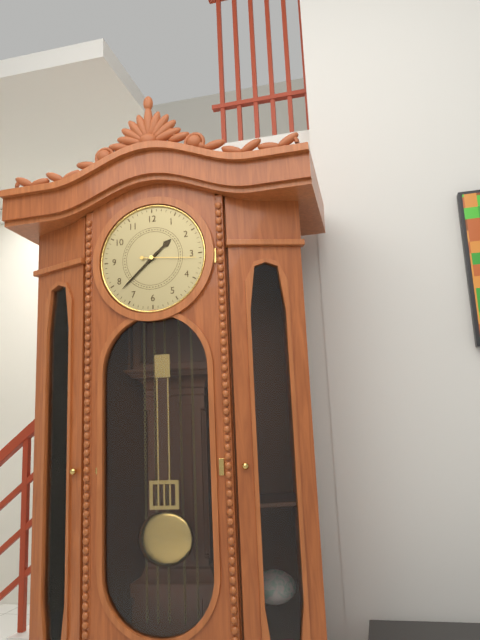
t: h=1 m=38 s=16
